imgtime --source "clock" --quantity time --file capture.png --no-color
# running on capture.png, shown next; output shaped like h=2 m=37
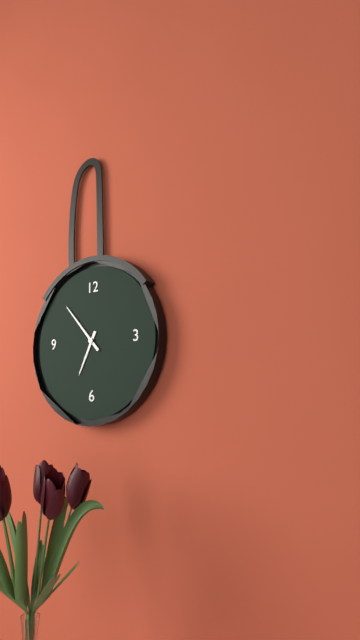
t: h=6 m=53
